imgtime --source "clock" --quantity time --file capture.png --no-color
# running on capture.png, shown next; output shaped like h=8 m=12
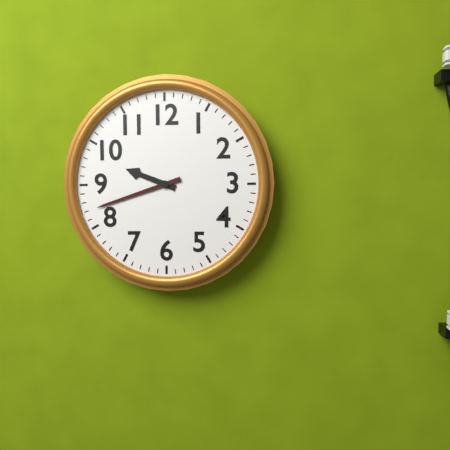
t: h=9 m=42
